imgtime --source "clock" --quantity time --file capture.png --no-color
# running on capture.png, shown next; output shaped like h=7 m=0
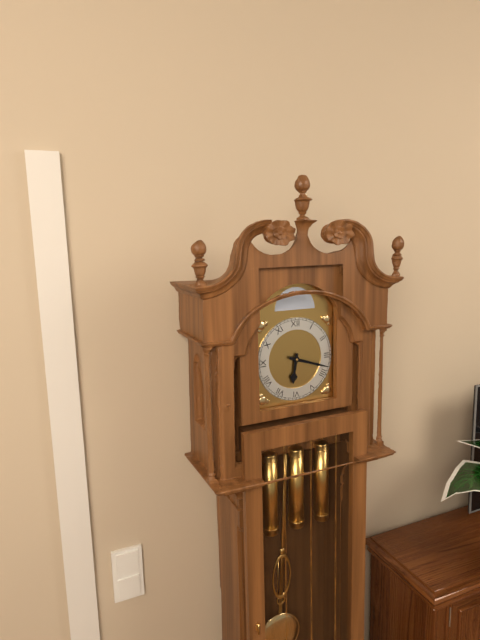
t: h=6 m=18
